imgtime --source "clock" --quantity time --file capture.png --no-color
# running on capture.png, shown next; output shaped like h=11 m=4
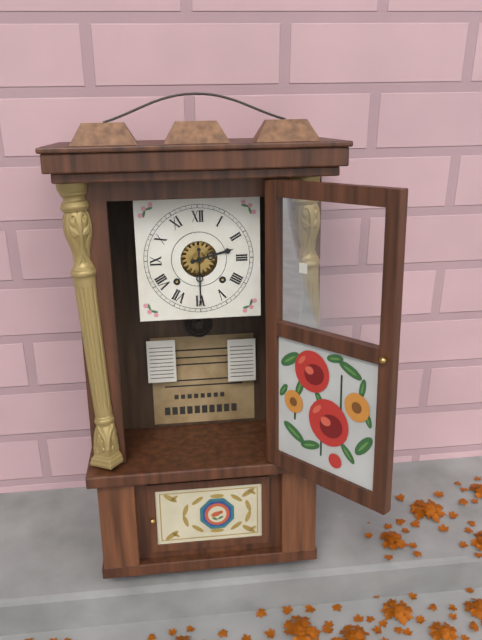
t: h=2 m=30
